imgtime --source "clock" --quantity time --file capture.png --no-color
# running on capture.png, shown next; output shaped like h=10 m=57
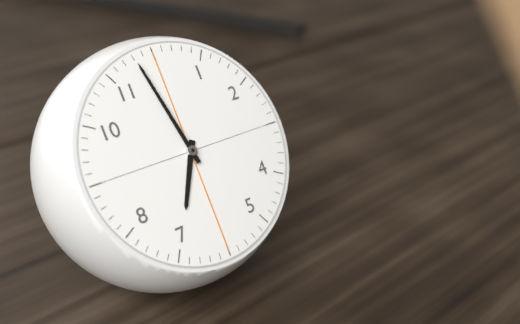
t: h=6 m=58
